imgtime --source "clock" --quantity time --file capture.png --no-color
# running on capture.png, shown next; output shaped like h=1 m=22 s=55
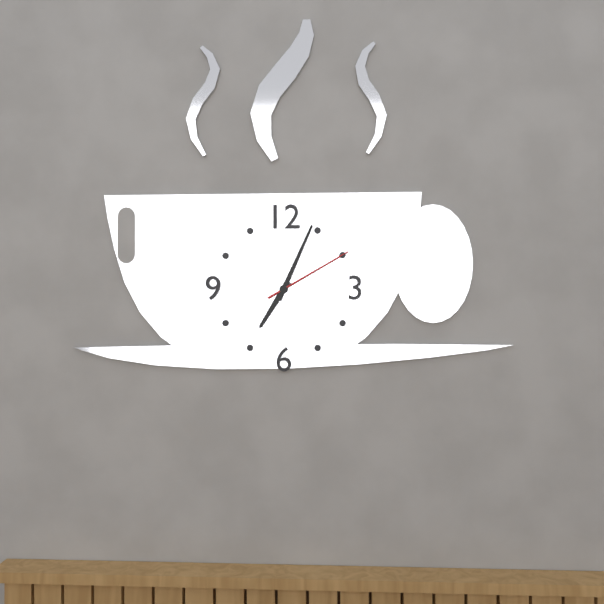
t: h=7 m=4 s=10
